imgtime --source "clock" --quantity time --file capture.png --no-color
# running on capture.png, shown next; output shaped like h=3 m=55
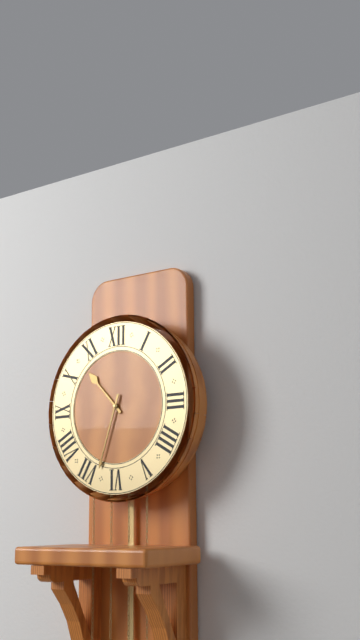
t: h=10 m=33
